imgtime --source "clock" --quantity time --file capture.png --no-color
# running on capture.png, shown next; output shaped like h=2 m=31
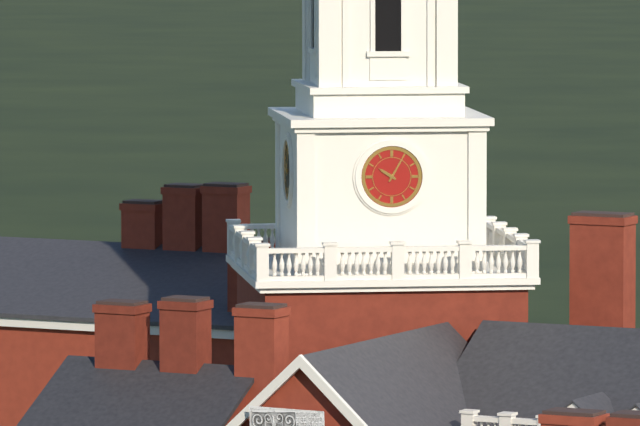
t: h=10 m=5
